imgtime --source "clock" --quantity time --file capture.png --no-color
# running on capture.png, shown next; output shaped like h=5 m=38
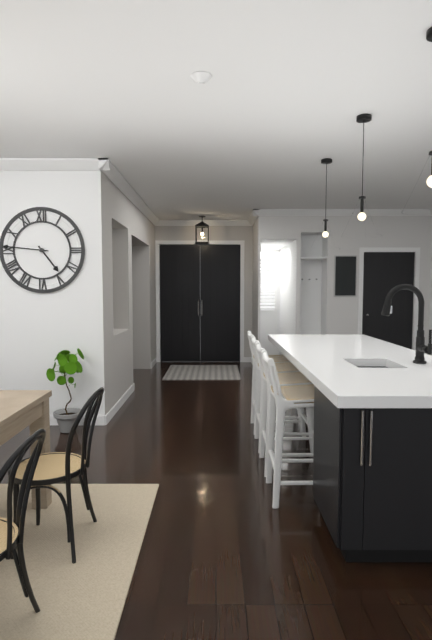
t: h=4 m=46
